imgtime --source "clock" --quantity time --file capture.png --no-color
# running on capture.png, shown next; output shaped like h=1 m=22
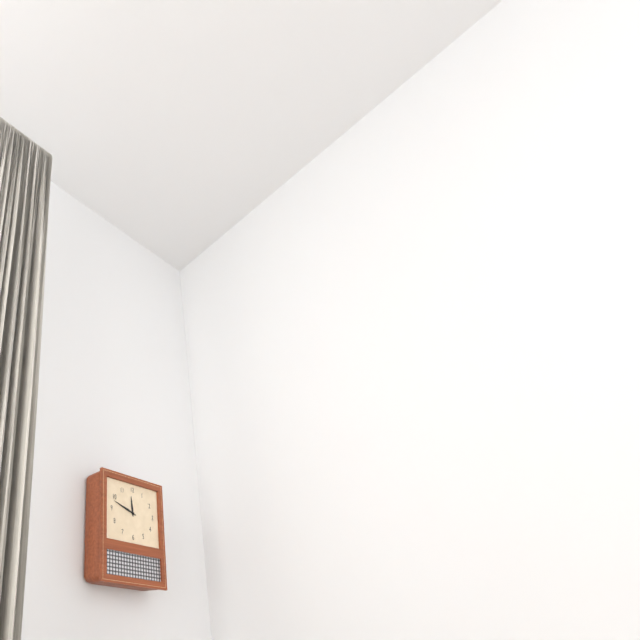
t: h=11 m=48
